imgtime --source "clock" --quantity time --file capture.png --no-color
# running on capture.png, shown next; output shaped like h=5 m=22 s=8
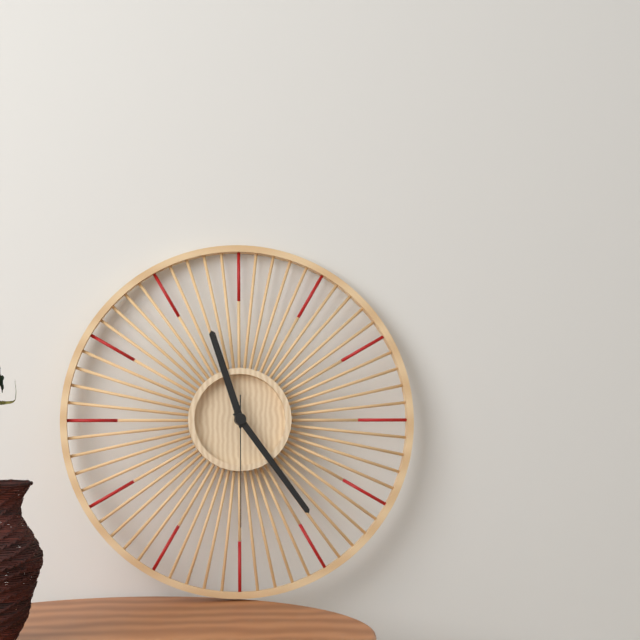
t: h=11 m=24 s=30
